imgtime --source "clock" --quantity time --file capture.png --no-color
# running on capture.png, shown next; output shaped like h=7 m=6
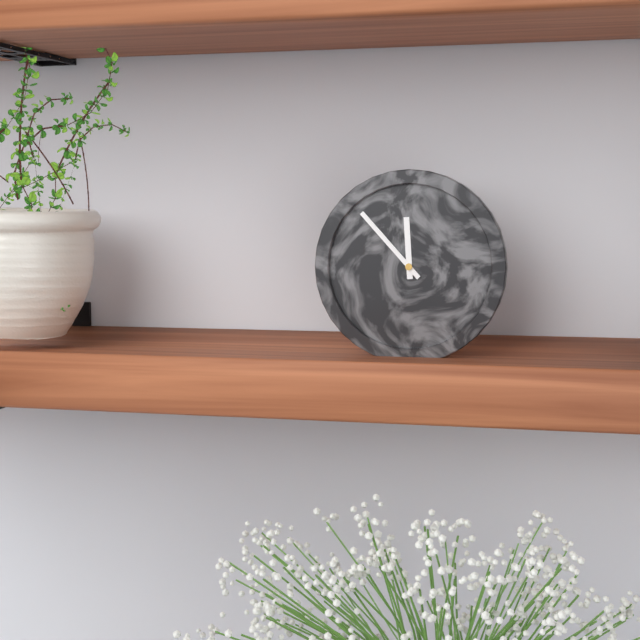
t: h=11 m=53
